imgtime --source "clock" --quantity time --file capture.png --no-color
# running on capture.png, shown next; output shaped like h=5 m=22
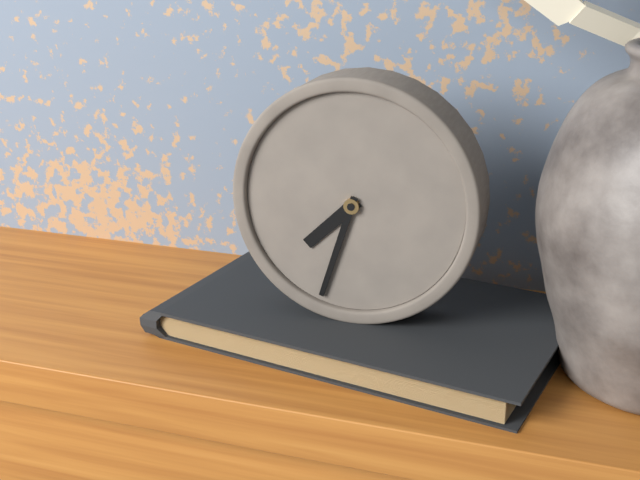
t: h=7 m=33
